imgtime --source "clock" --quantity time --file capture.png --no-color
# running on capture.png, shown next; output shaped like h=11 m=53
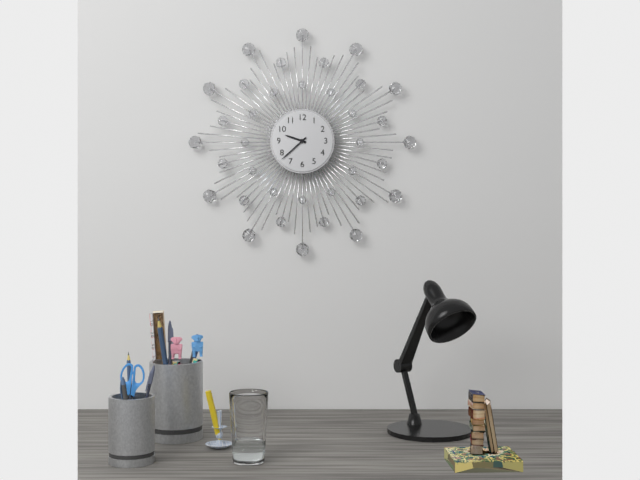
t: h=9 m=38
